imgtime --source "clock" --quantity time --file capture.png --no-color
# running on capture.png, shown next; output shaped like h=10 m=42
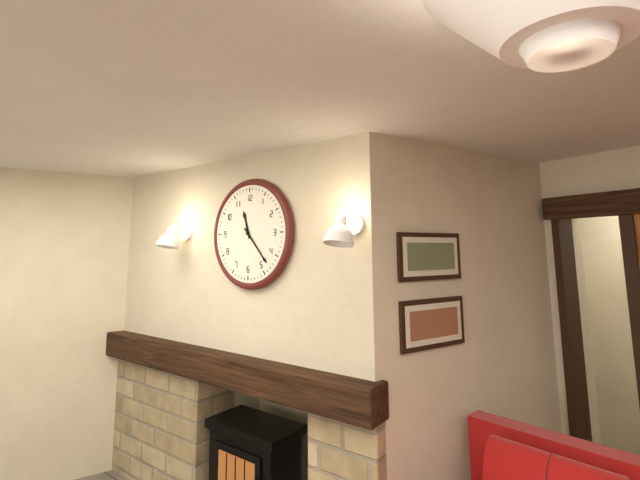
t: h=11 m=23
